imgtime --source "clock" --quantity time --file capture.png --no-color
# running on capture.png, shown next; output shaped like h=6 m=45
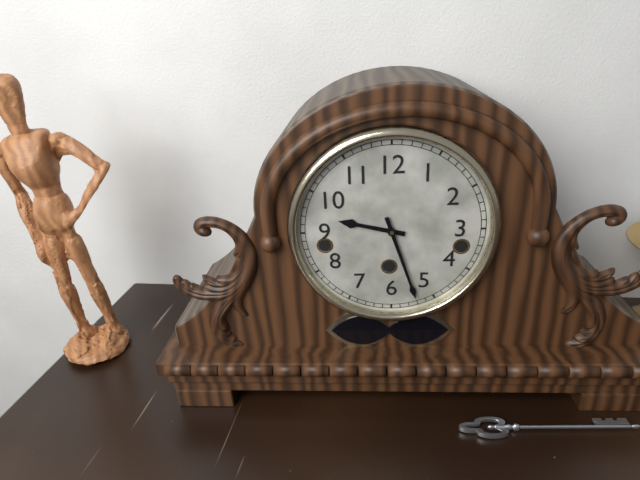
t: h=9 m=27
